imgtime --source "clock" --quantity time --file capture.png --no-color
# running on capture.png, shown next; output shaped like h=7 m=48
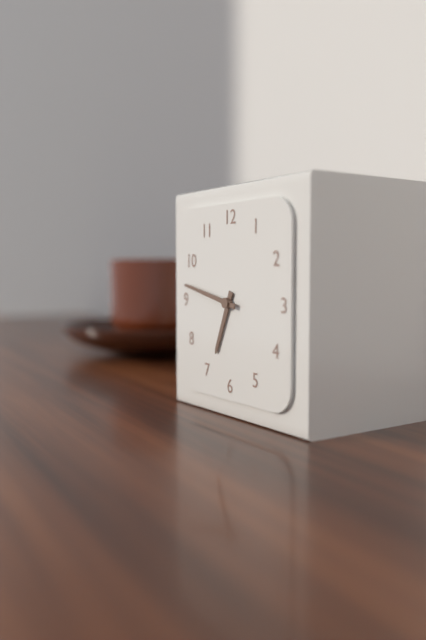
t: h=6 m=47
